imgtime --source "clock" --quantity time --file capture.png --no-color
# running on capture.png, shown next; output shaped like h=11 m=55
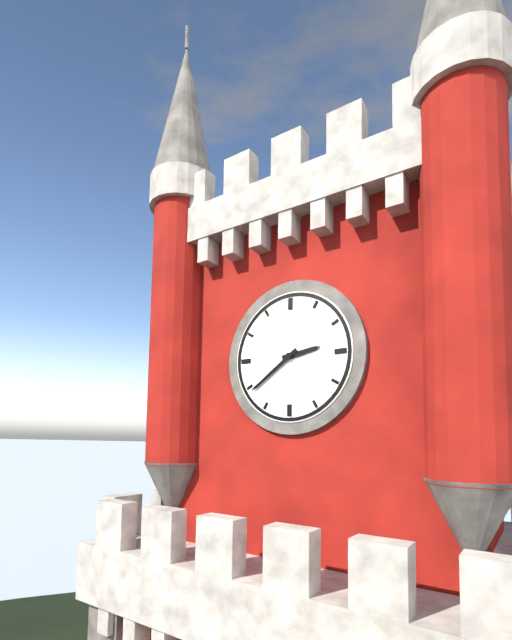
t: h=2 m=39
